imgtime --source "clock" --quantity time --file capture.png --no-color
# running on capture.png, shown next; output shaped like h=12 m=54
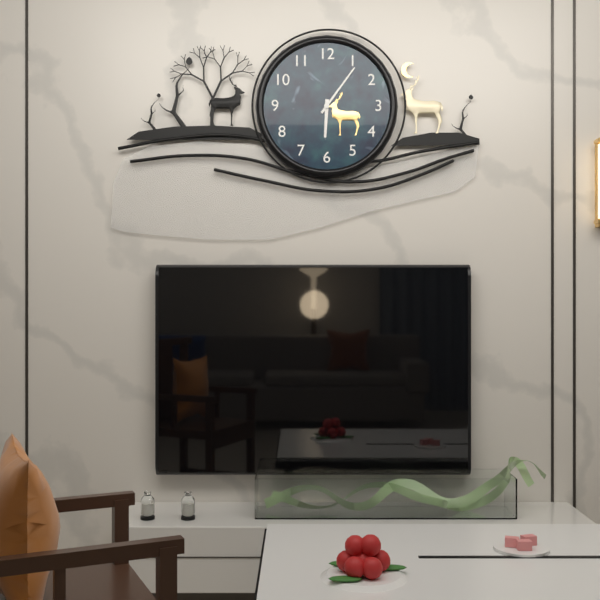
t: h=6 m=6
